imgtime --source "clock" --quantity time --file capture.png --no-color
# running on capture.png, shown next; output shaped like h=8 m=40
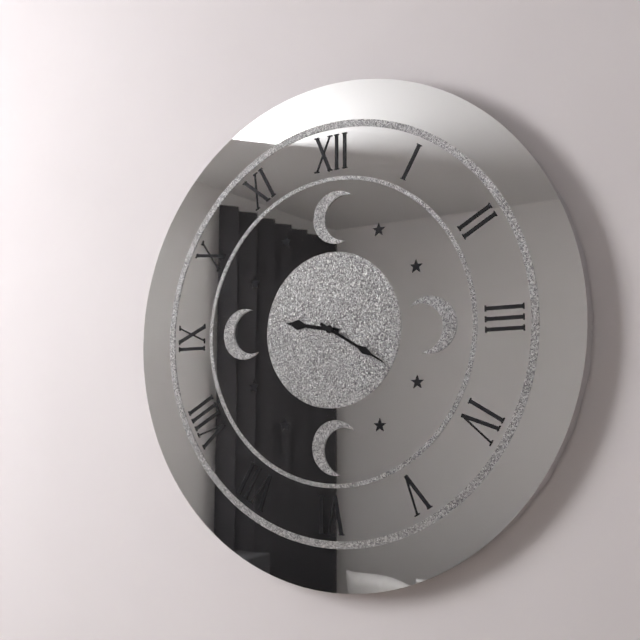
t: h=9 m=20
